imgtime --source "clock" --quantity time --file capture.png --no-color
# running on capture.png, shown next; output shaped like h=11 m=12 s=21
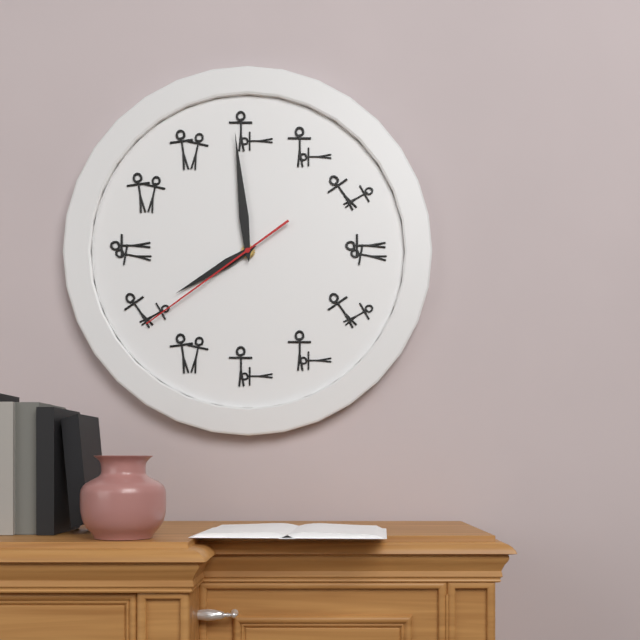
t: h=7 m=59 s=39
